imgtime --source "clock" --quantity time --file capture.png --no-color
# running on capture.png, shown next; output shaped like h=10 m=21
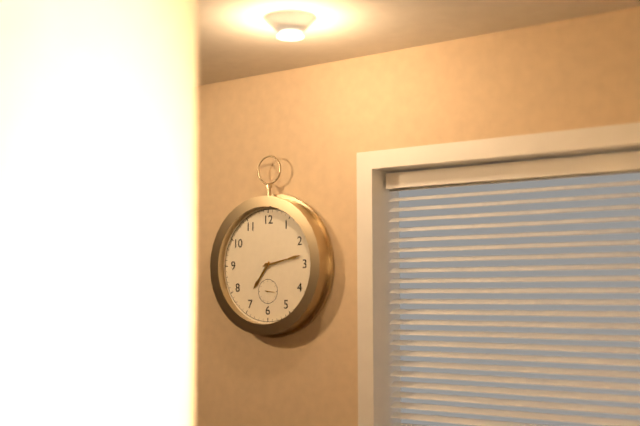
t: h=7 m=13
